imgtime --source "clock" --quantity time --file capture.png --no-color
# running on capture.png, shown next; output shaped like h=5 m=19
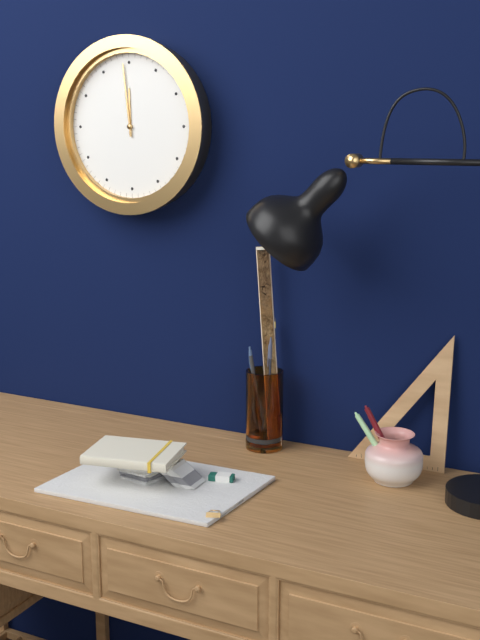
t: h=11 m=59
